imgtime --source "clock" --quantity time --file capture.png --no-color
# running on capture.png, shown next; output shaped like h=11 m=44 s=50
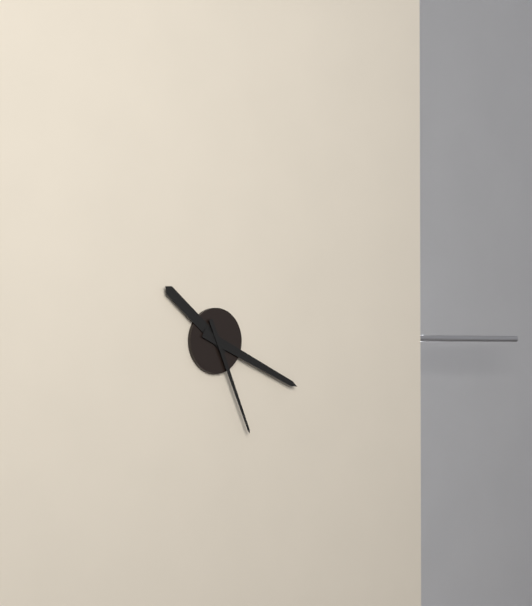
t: h=10 m=19 s=26
